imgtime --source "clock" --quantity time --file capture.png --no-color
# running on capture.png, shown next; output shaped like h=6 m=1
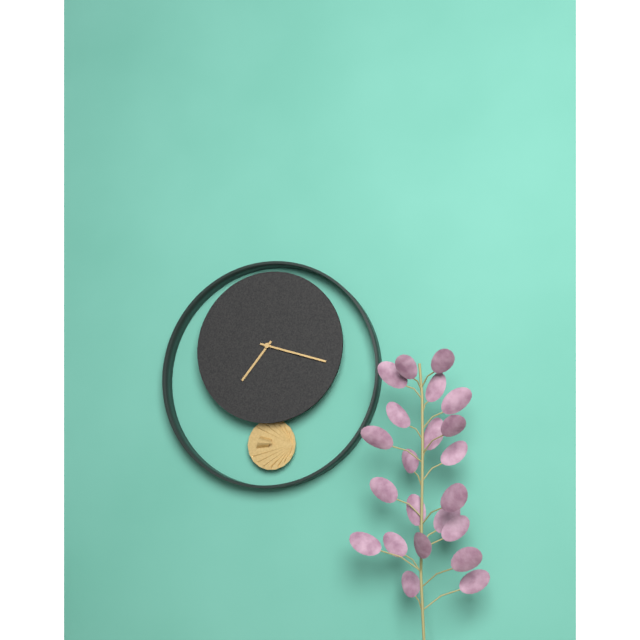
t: h=7 m=18
